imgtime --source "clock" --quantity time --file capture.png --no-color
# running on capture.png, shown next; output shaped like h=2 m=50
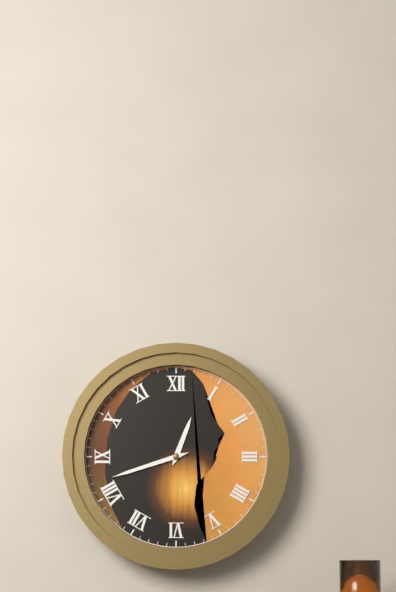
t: h=12 m=42
